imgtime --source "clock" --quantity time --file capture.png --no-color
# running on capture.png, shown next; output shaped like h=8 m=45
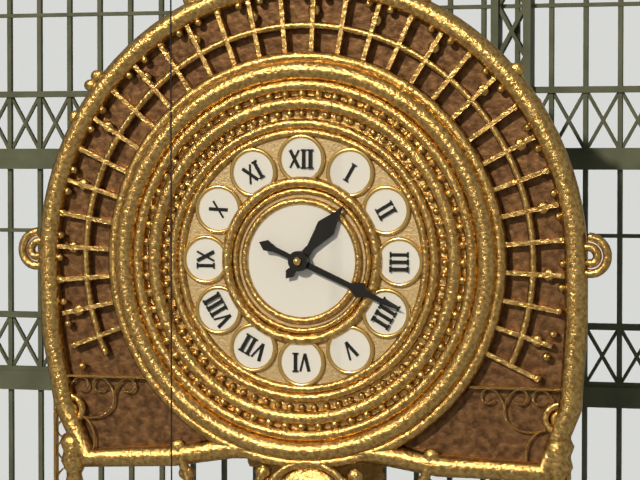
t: h=1 m=19
